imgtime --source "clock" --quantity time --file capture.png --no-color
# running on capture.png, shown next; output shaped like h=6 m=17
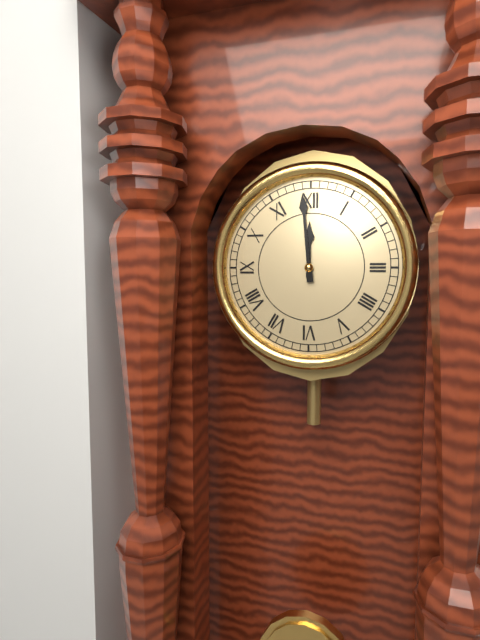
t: h=11 m=59
